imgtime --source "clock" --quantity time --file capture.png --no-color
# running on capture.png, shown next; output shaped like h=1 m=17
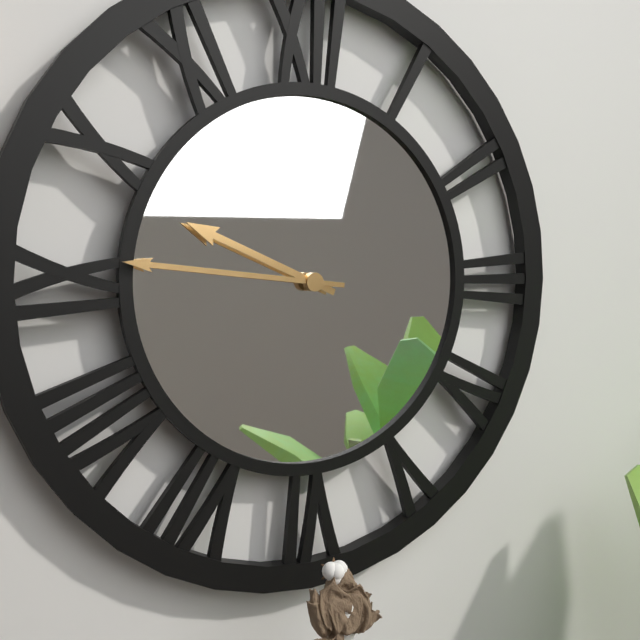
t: h=9 m=46
